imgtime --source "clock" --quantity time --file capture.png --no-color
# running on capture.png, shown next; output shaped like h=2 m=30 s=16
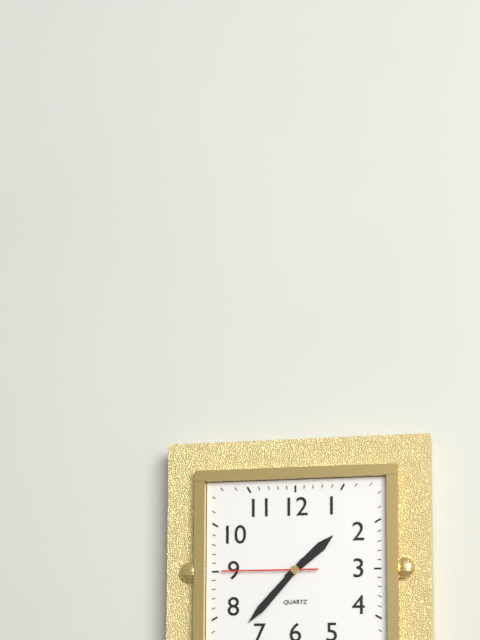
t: h=1 m=37 s=45
